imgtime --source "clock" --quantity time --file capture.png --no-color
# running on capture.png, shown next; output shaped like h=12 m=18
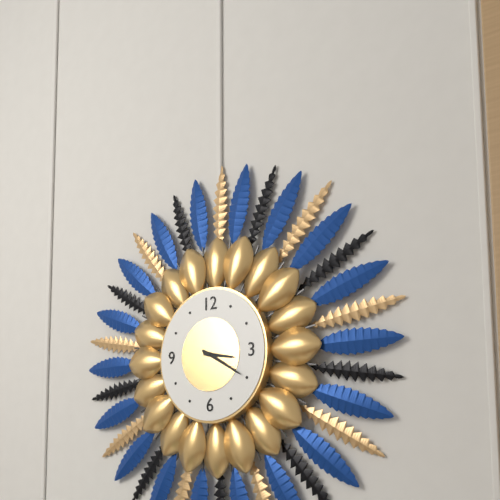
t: h=3 m=20
